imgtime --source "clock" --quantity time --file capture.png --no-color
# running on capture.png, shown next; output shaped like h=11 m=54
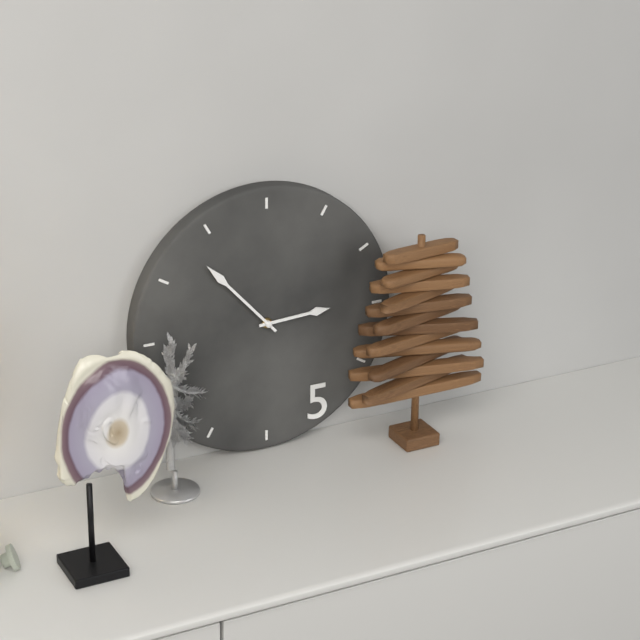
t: h=2 m=53
